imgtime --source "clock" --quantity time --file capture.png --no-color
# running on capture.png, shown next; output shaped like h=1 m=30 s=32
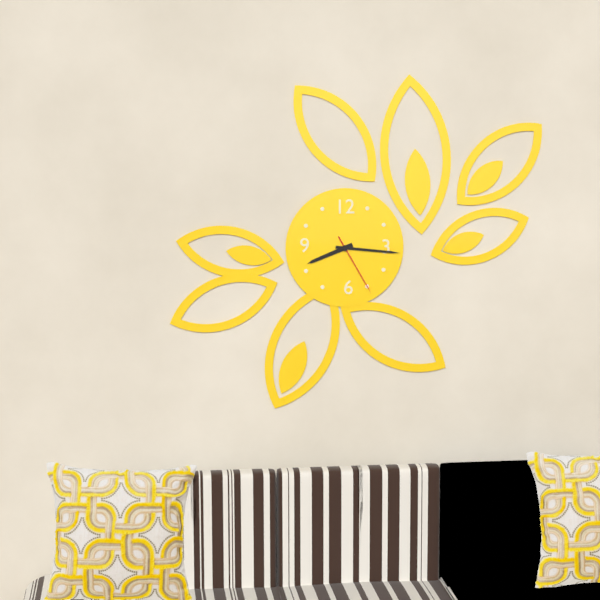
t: h=8 m=16 s=25
